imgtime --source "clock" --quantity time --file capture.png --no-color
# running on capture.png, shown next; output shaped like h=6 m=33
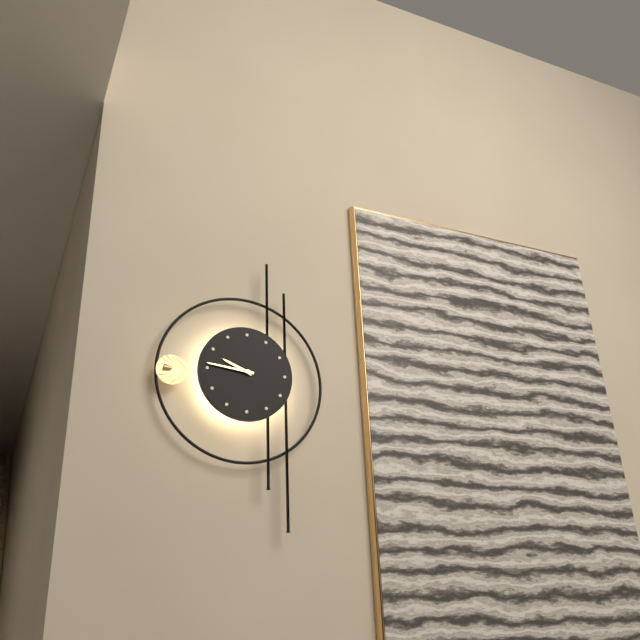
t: h=9 m=46
